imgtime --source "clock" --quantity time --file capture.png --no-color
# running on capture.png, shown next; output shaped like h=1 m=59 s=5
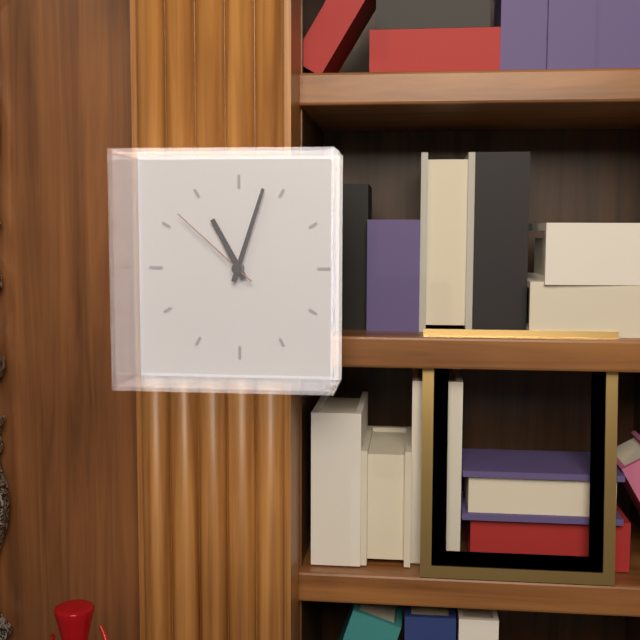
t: h=11 m=3 s=52
